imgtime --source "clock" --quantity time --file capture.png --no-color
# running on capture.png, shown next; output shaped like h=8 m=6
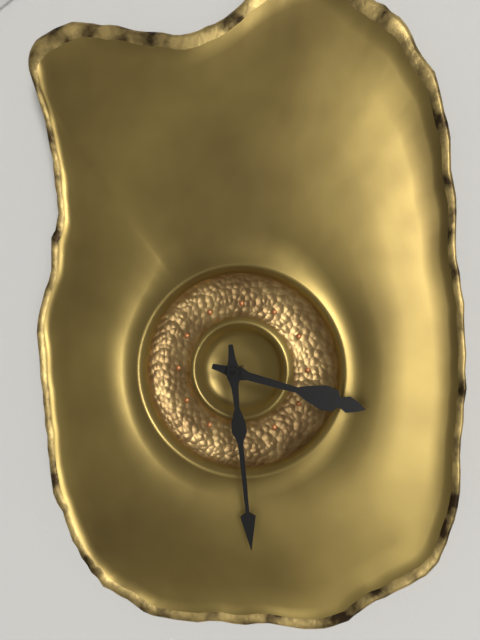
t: h=3 m=29
